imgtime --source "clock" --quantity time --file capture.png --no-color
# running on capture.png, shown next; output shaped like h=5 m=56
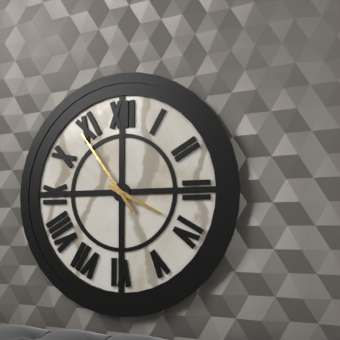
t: h=3 m=54
